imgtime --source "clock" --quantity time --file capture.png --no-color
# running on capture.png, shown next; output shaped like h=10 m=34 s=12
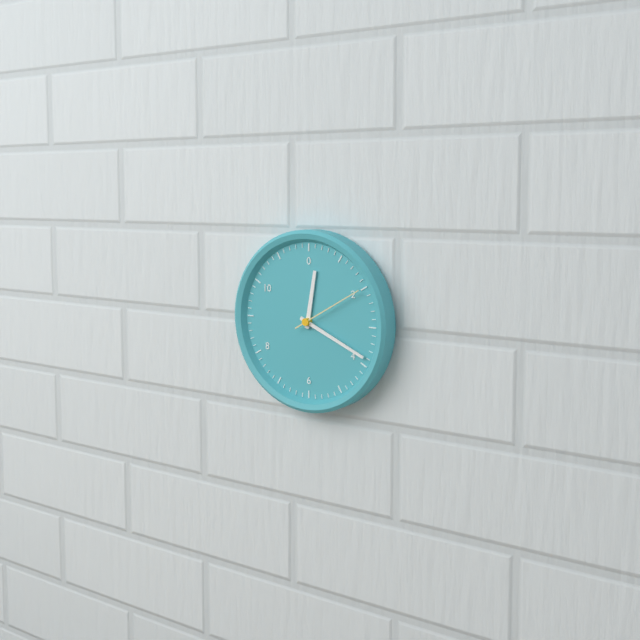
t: h=12 m=19 s=10
